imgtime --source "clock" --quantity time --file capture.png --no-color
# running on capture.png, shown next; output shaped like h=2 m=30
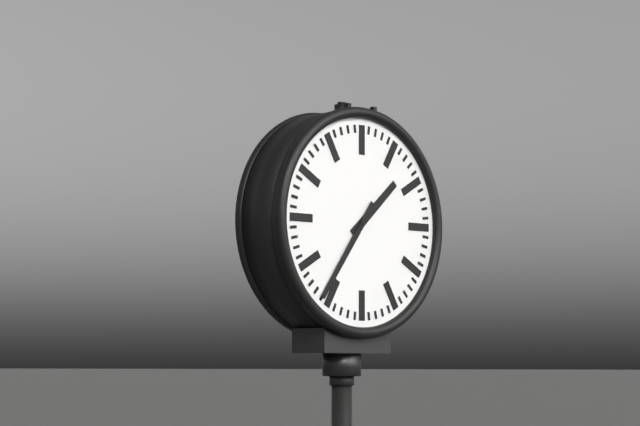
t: h=1 m=36
